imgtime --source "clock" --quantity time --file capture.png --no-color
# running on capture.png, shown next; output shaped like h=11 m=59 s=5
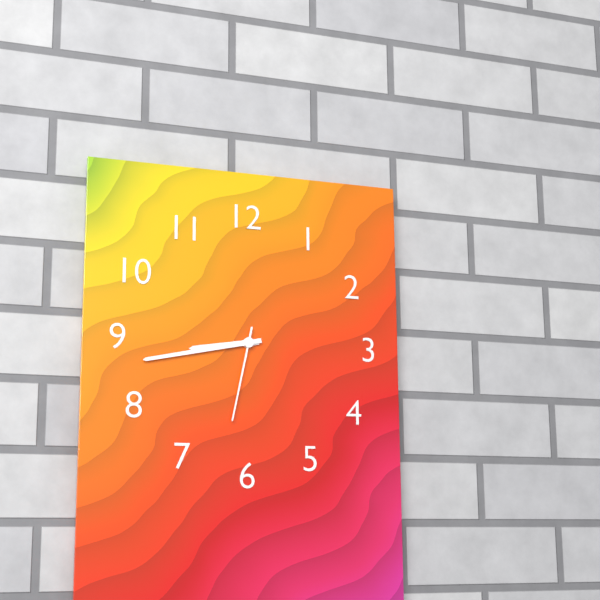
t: h=8 m=43 s=32
